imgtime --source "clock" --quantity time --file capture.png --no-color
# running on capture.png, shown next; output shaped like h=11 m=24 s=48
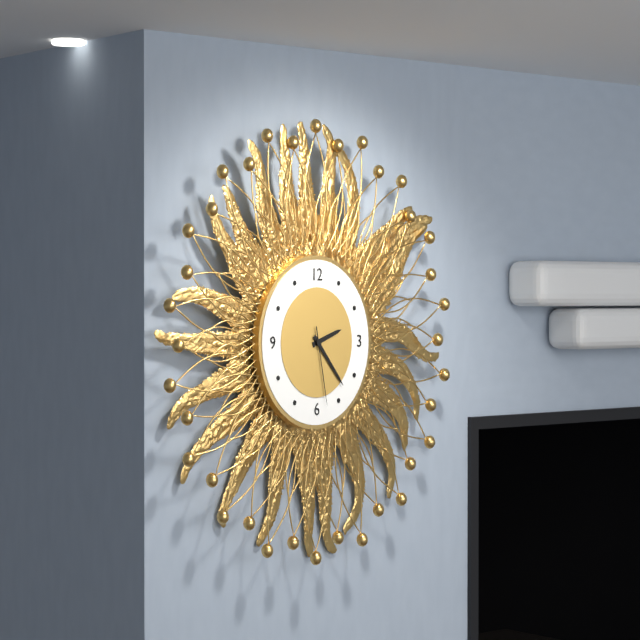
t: h=2 m=23 s=28
